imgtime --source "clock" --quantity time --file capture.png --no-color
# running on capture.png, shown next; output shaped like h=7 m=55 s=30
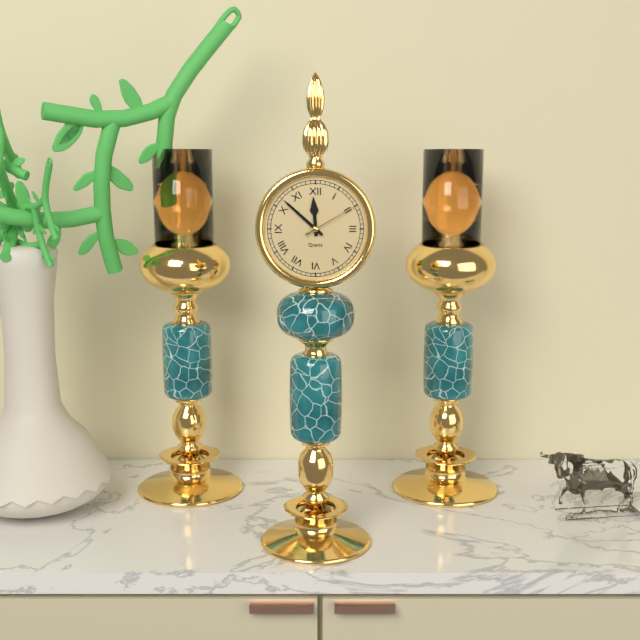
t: h=11 m=52 s=10
